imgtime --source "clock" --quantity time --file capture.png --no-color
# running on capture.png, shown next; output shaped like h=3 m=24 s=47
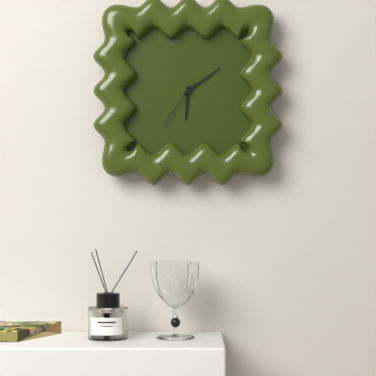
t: h=6 m=9 s=36
